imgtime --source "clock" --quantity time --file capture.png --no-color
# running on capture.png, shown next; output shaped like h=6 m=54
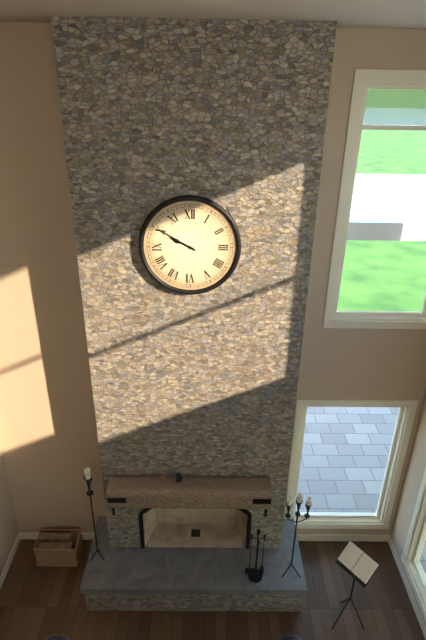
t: h=9 m=50
